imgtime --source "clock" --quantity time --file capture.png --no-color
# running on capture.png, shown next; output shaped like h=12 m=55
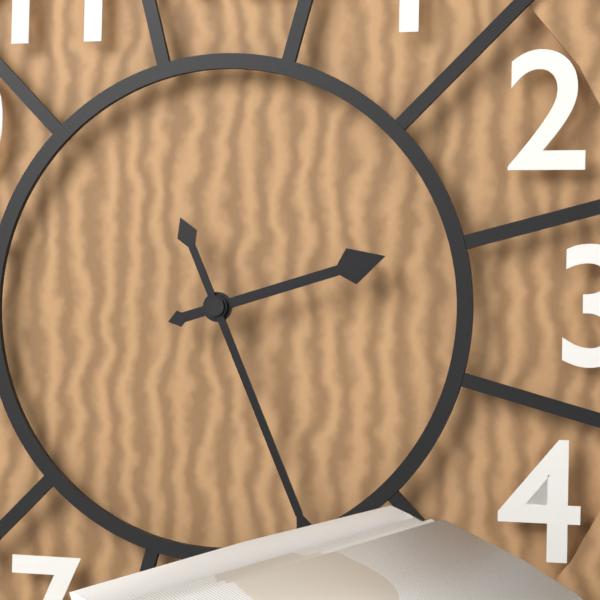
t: h=2 m=26
